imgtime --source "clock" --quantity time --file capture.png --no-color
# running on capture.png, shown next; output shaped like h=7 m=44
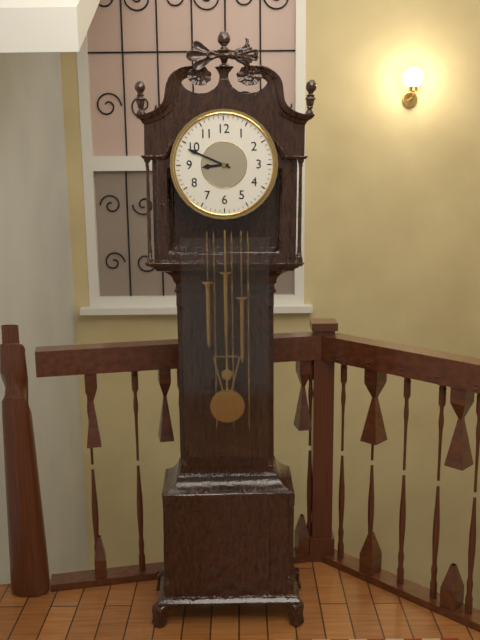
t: h=8 m=49
